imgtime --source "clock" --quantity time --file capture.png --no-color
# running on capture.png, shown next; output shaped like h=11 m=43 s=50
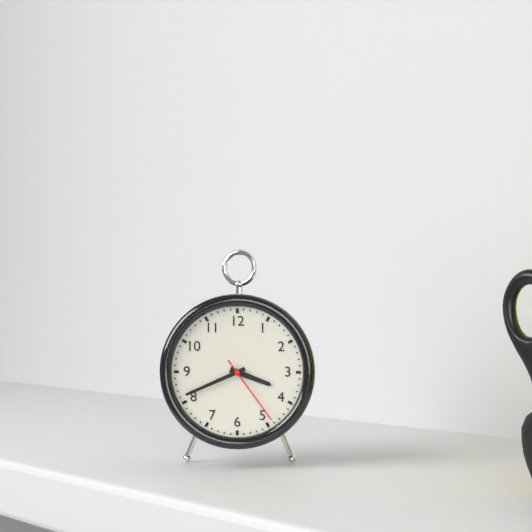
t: h=3 m=41 s=24
